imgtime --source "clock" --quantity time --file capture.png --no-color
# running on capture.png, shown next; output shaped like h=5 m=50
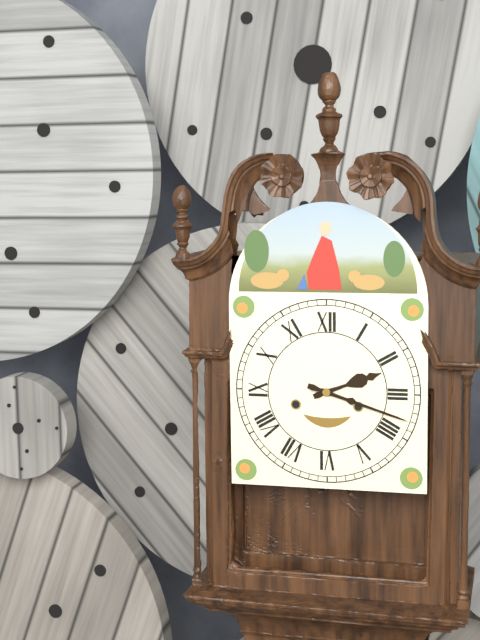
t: h=2 m=18
